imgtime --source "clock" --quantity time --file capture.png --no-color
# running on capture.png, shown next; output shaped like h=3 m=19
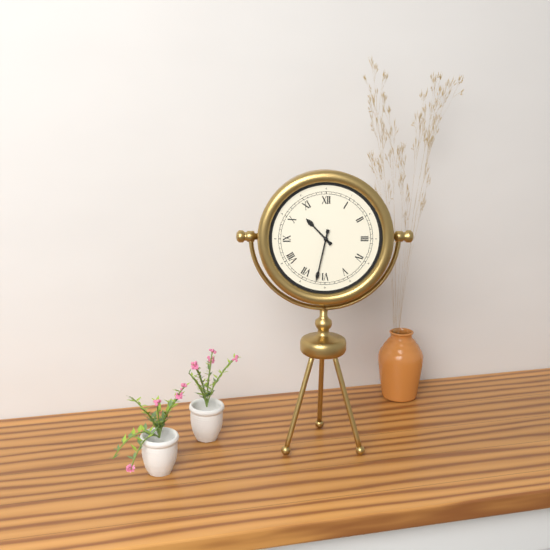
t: h=10 m=32
